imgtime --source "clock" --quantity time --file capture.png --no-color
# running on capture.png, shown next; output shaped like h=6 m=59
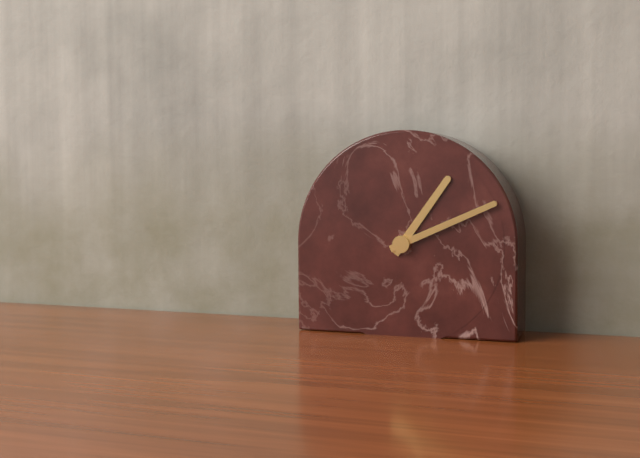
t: h=1 m=11
